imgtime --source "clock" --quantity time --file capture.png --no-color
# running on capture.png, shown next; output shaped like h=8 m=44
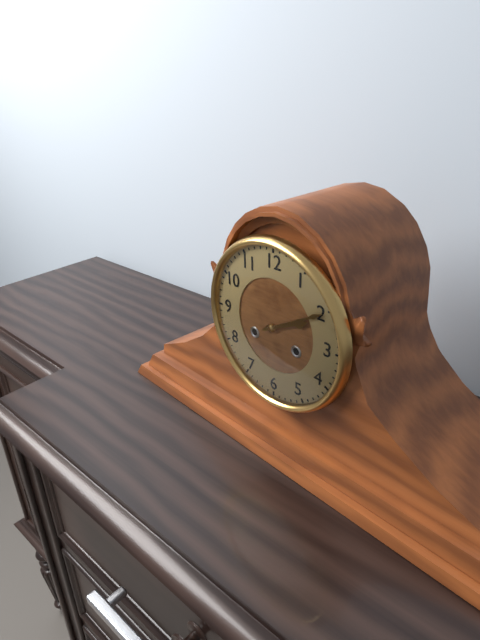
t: h=2 m=10
